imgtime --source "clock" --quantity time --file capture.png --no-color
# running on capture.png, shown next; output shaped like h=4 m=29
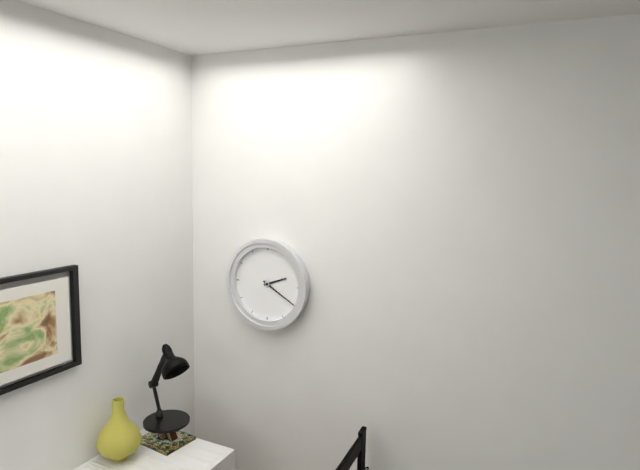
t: h=2 m=20
